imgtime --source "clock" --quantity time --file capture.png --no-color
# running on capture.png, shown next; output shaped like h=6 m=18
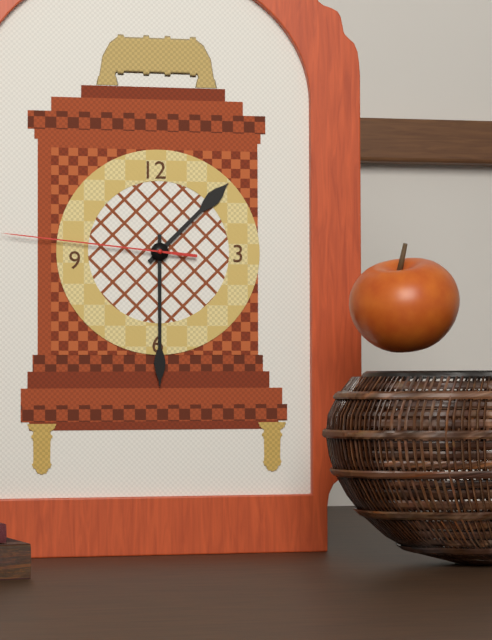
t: h=1 m=30
